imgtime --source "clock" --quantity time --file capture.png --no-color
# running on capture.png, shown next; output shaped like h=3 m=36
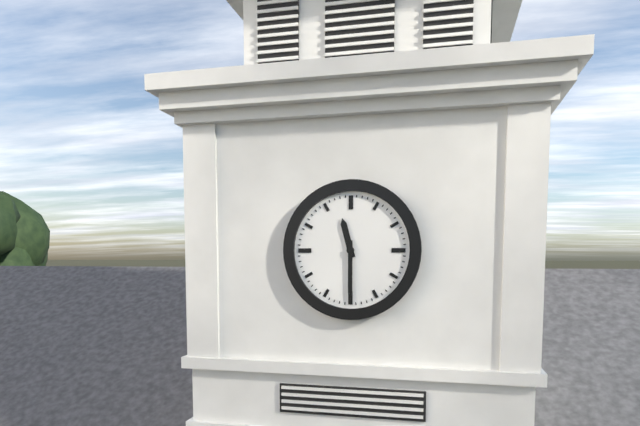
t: h=11 m=30
